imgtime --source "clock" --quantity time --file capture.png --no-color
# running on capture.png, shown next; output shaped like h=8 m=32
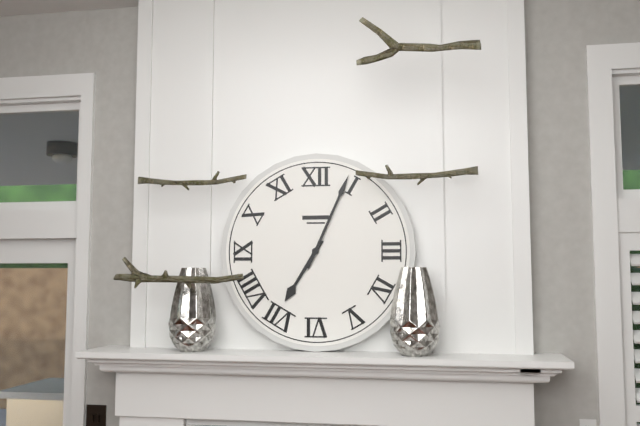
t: h=7 m=4
